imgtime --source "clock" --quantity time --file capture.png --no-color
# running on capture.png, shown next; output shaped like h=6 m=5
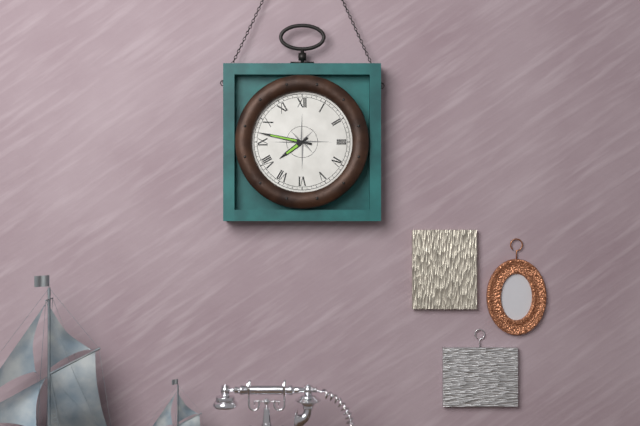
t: h=7 m=47
